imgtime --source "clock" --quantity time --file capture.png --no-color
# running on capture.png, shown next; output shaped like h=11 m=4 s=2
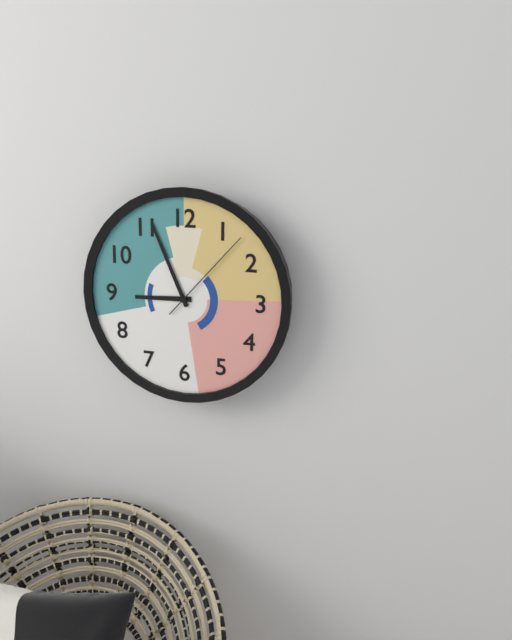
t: h=8 m=56 s=7
